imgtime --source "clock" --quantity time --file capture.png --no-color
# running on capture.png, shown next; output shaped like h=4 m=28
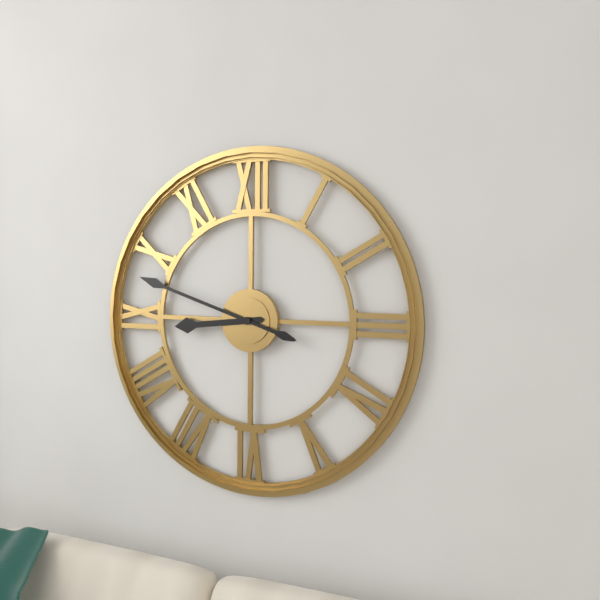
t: h=8 m=48
